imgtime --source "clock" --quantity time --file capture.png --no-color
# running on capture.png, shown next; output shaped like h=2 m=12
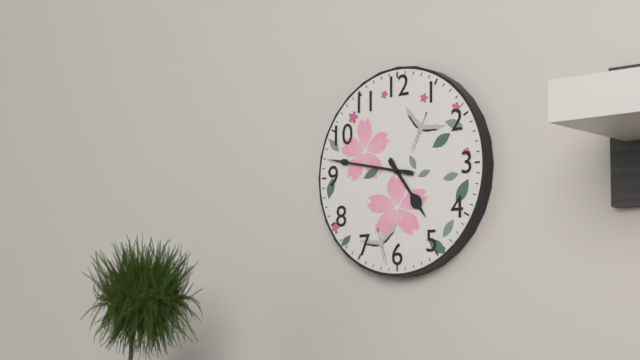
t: h=4 m=47
